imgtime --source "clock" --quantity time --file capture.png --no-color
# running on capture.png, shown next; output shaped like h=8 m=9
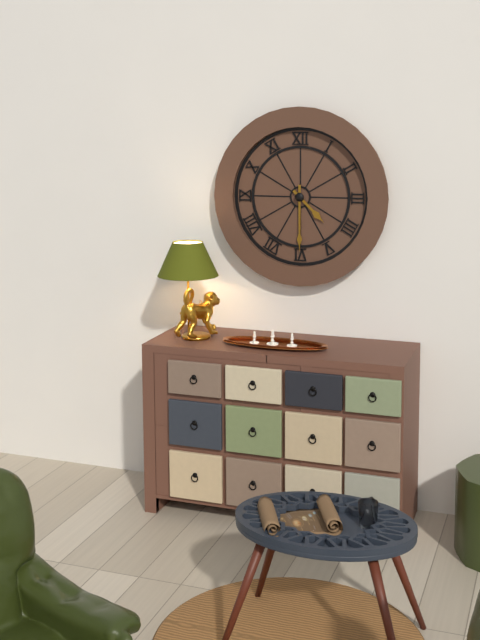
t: h=4 m=30
